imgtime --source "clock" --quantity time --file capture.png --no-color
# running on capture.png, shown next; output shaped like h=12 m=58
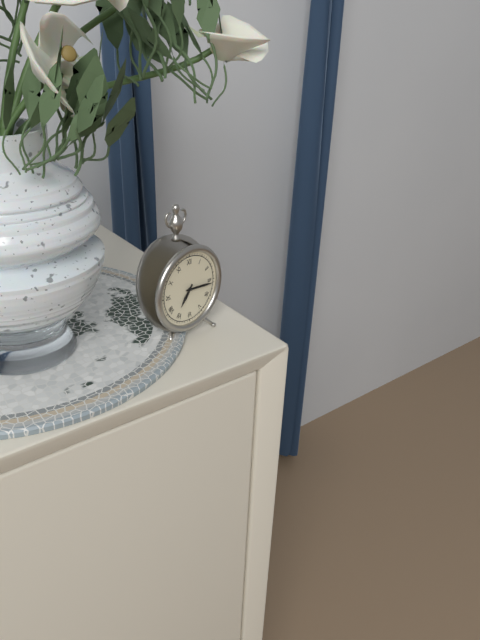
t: h=7 m=16
